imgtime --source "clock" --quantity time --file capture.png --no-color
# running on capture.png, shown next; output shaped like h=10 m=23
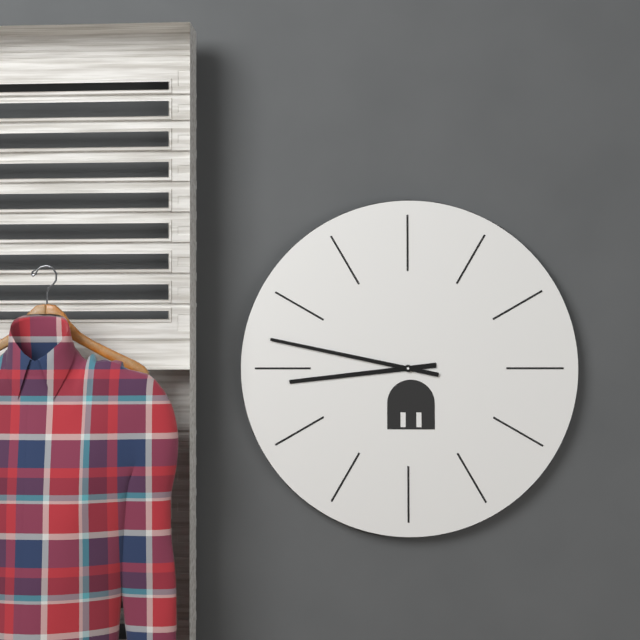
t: h=8 m=47
